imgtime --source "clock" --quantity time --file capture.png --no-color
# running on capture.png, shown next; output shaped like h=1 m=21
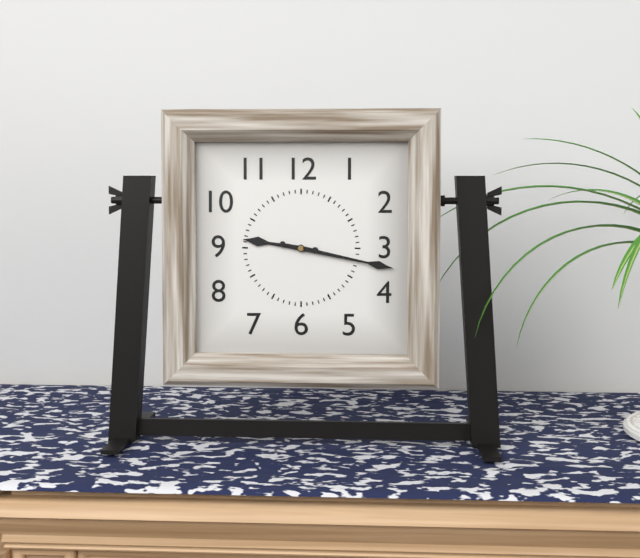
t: h=9 m=17
